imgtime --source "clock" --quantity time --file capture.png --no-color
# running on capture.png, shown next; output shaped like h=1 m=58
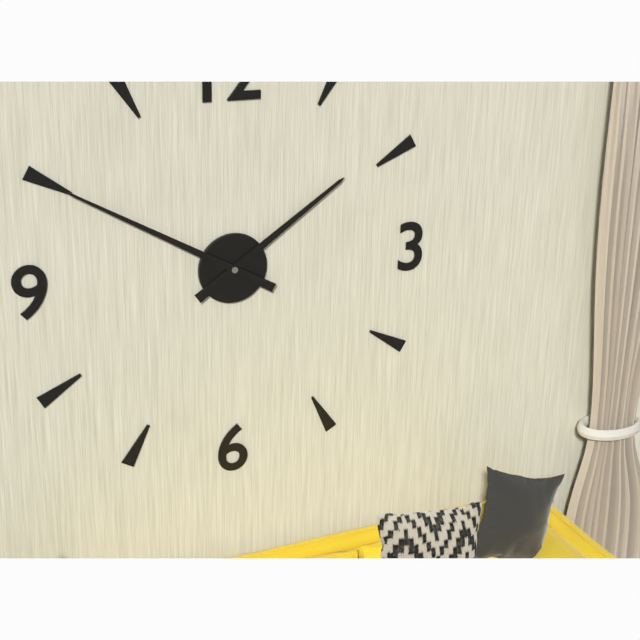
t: h=1 m=50
